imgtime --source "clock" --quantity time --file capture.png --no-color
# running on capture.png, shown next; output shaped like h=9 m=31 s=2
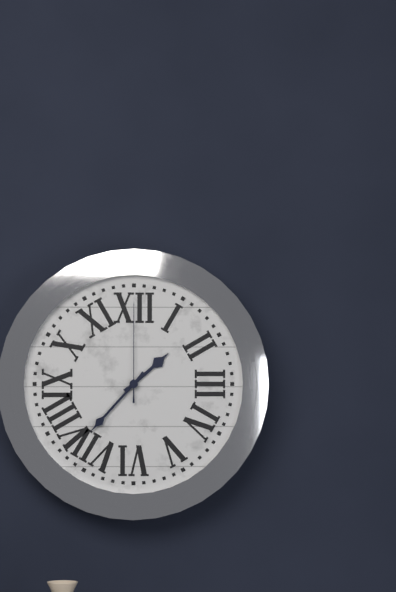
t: h=1 m=37 s=0
